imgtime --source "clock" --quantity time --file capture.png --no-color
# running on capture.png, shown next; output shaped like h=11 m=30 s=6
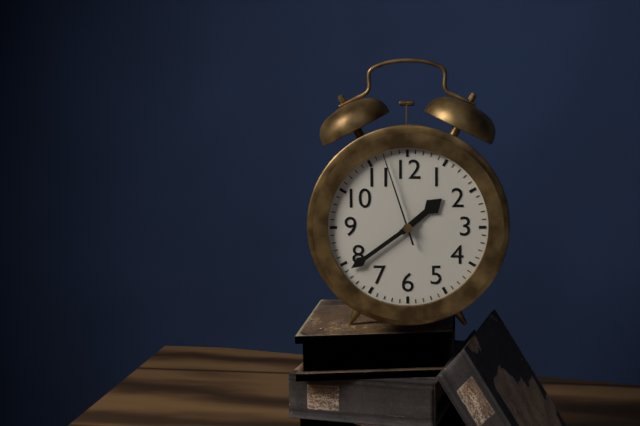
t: h=1 m=39 s=57
